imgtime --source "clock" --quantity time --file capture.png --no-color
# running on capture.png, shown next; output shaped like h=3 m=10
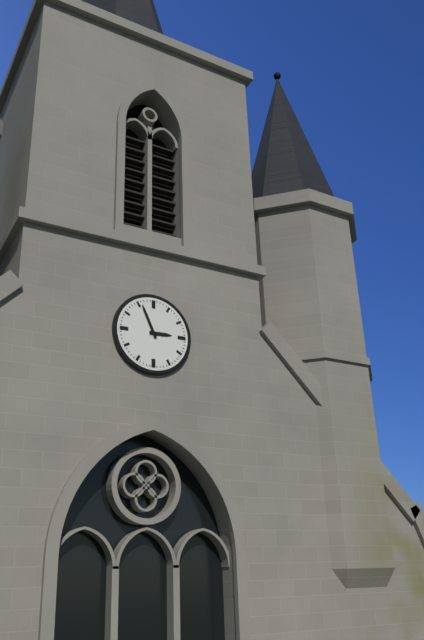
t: h=2 m=56
